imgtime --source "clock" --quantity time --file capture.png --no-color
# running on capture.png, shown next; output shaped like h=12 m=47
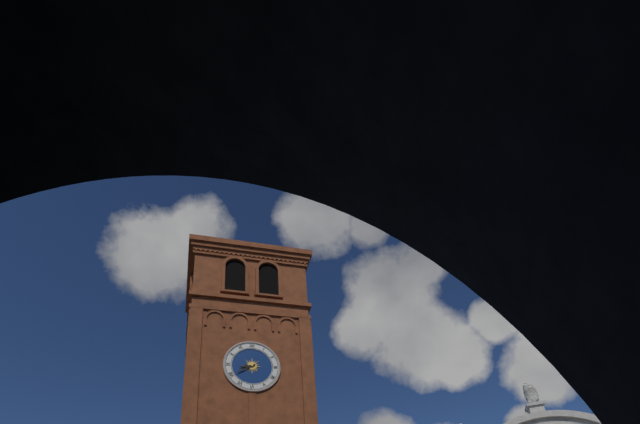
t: h=8 m=40
